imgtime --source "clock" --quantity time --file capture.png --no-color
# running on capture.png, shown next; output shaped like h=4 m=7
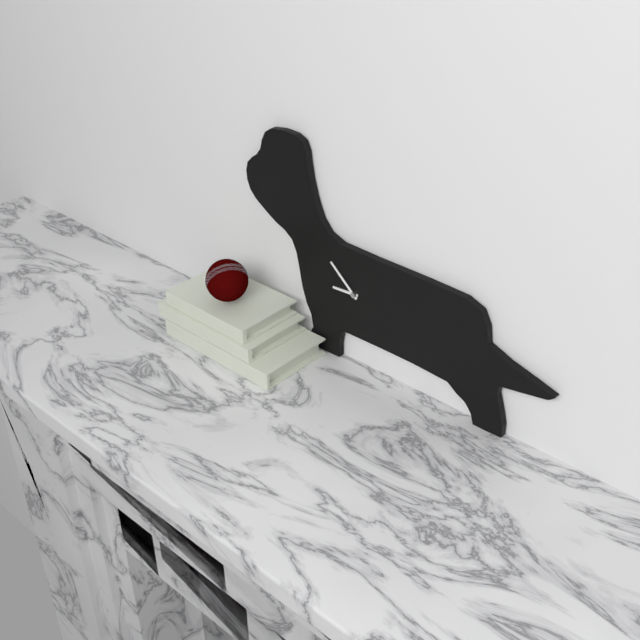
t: h=8 m=52
